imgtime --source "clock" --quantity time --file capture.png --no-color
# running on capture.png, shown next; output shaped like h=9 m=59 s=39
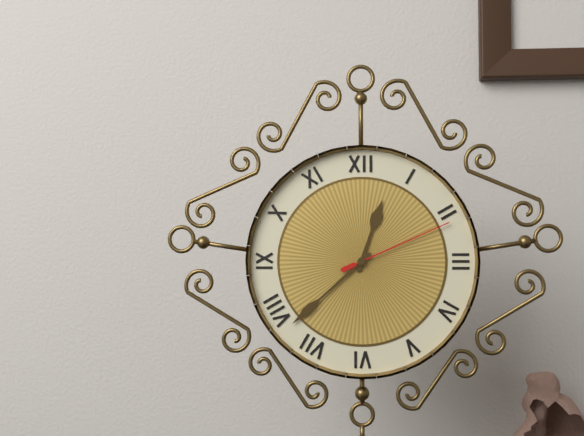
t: h=12 m=38 s=11
